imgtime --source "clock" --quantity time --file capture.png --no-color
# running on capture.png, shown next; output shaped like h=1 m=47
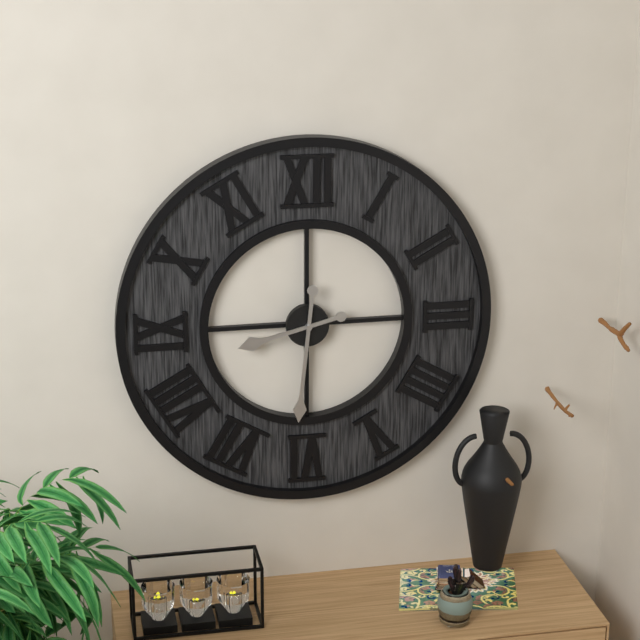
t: h=8 m=31
